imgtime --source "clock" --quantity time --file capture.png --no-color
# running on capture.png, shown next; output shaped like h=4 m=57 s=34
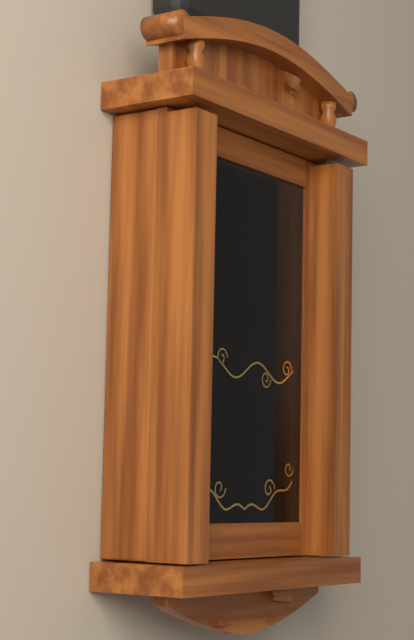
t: h=2 m=30 s=22
